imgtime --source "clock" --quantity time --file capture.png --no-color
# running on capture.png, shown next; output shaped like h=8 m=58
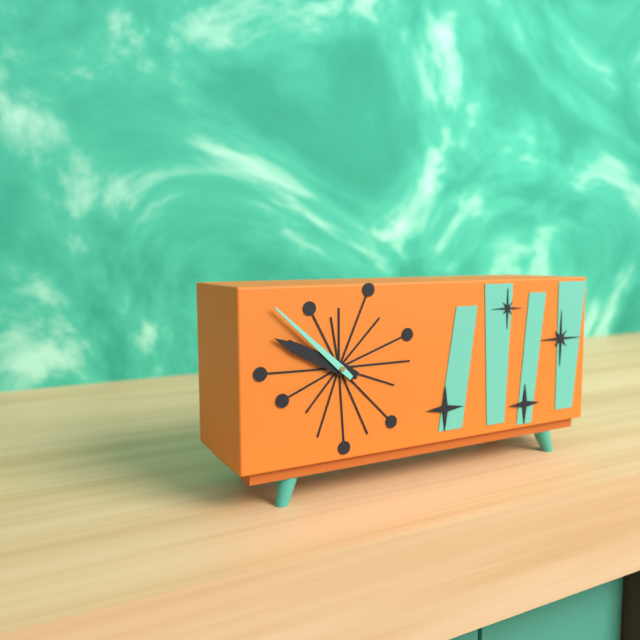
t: h=9 m=52
